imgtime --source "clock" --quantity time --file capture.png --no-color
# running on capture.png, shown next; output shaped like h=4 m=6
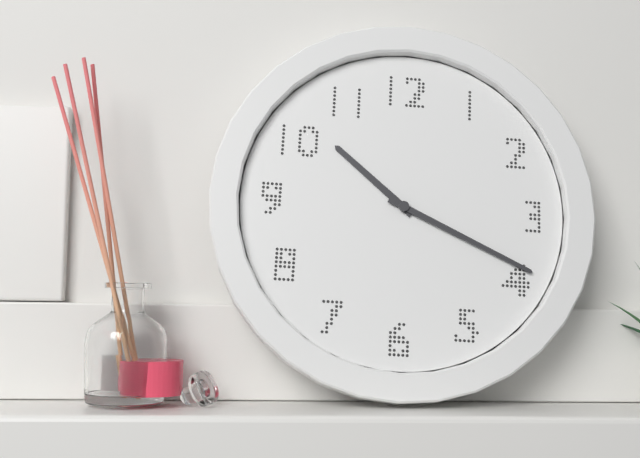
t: h=10 m=19
